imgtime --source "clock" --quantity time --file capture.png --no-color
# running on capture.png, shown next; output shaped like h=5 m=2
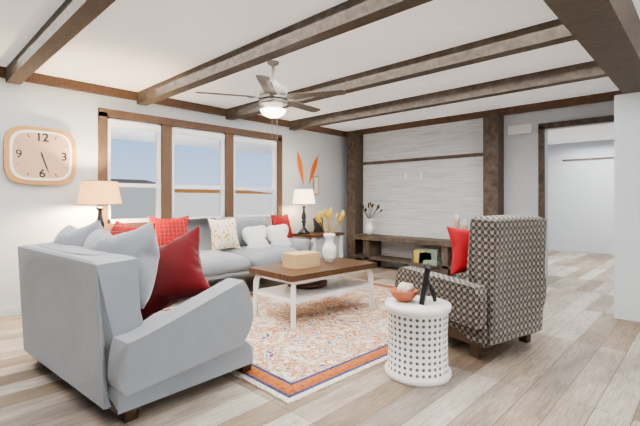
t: h=5 m=27
